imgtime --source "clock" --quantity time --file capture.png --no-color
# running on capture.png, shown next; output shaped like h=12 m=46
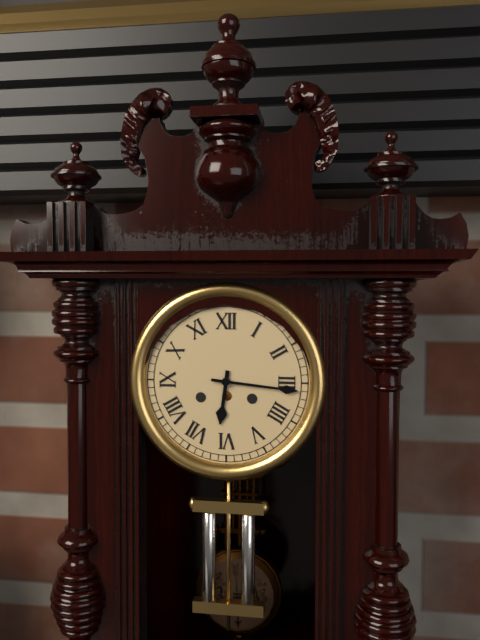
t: h=6 m=16
